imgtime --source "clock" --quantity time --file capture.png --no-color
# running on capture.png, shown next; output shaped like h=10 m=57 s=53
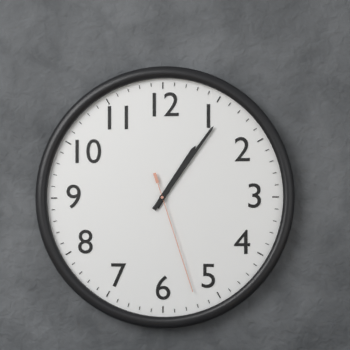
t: h=1 m=6 s=27
